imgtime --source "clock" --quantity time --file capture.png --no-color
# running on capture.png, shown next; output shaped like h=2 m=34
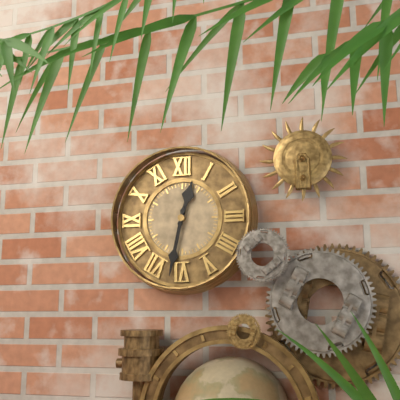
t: h=12 m=32
